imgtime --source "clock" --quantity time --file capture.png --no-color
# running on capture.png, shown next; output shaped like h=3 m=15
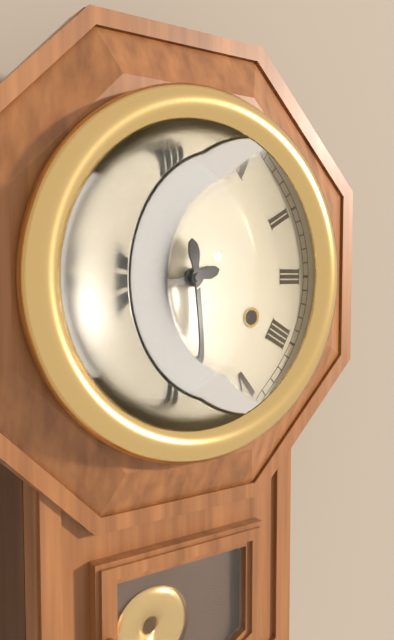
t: h=8 m=29
